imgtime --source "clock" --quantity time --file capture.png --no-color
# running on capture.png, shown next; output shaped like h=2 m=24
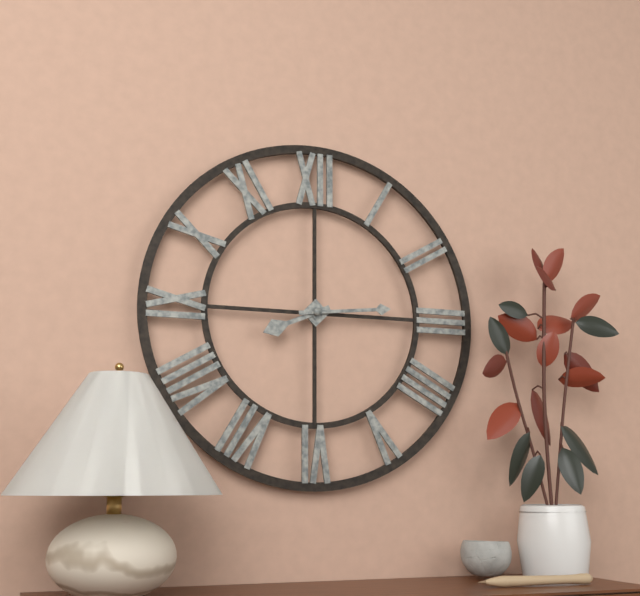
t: h=8 m=14
